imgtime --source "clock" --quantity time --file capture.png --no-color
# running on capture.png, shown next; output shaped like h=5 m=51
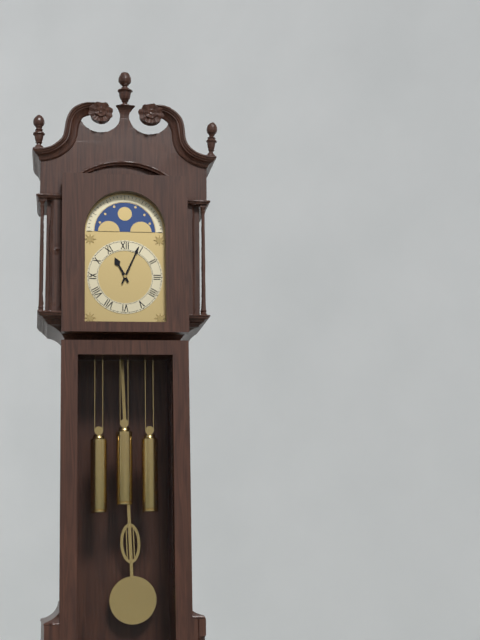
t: h=11 m=4
